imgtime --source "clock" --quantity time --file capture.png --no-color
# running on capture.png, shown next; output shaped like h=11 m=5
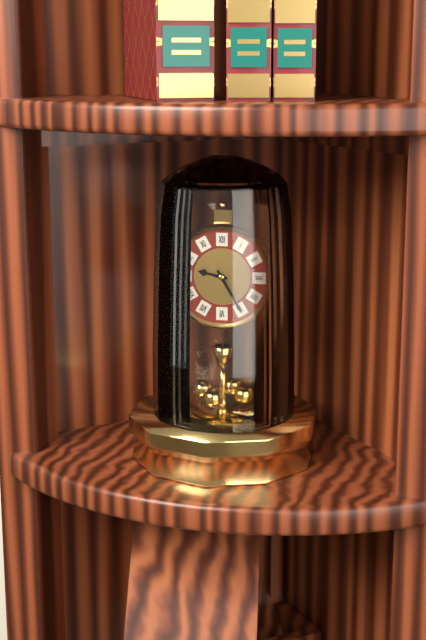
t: h=9 m=25
